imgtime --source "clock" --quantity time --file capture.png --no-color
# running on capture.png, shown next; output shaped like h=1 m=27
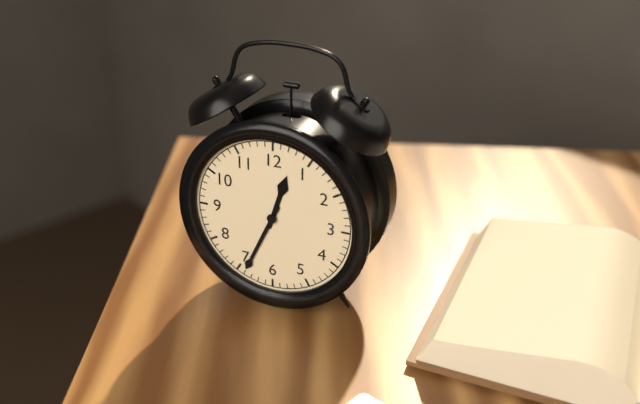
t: h=12 m=34
